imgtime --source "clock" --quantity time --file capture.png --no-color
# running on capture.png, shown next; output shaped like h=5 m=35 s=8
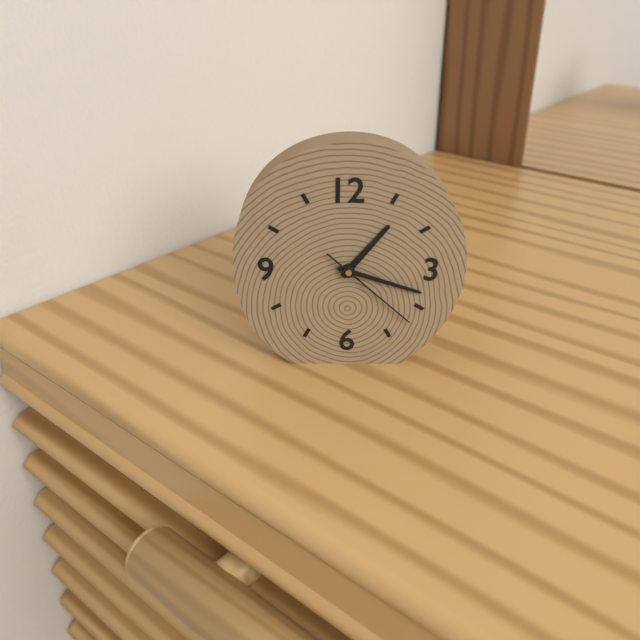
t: h=1 m=18 s=22
